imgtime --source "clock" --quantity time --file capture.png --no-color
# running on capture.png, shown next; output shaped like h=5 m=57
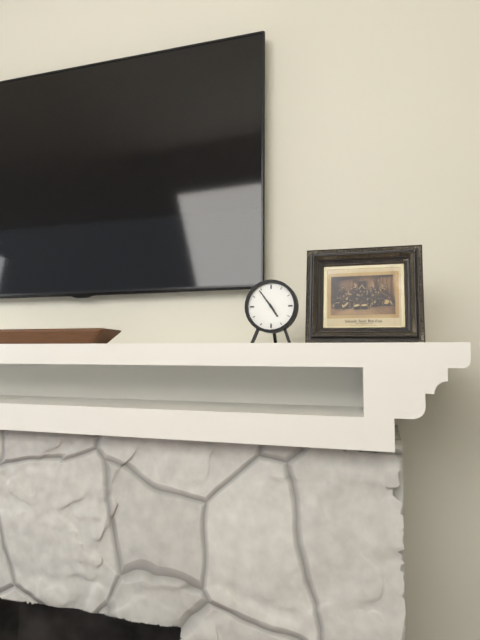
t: h=4 m=54
